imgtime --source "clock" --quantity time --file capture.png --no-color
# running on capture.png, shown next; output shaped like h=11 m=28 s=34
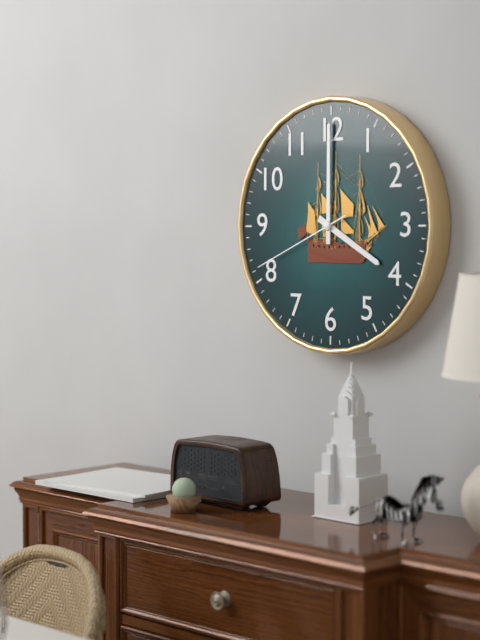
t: h=4 m=0 s=41
